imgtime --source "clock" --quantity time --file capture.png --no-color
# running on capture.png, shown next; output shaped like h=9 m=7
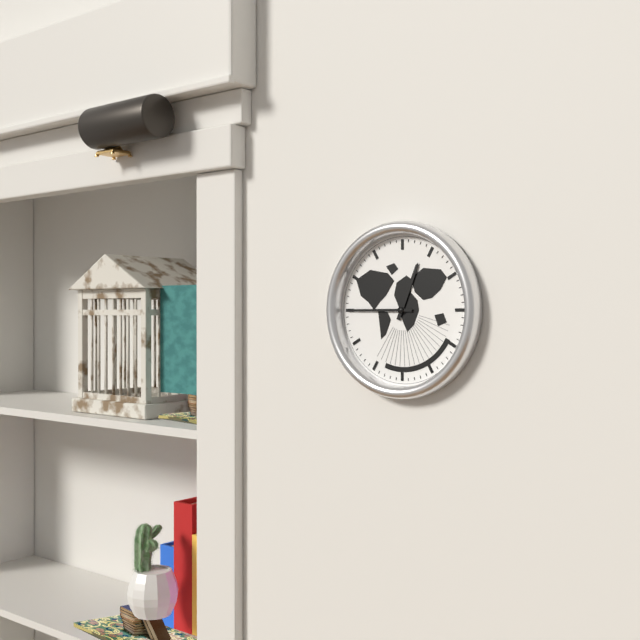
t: h=12 m=45
